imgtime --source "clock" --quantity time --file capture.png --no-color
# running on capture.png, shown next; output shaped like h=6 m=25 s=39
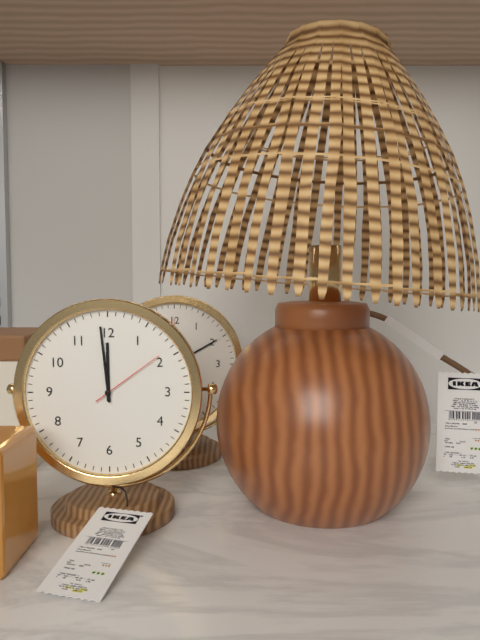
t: h=11 m=59 s=9
